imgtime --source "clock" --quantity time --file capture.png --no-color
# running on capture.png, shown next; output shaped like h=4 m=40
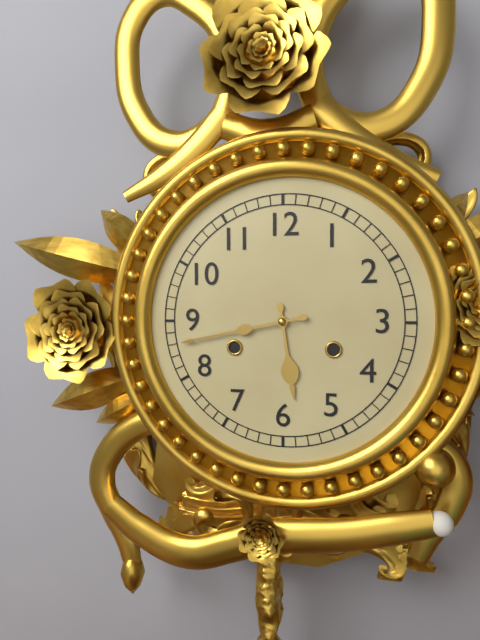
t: h=5 m=43
